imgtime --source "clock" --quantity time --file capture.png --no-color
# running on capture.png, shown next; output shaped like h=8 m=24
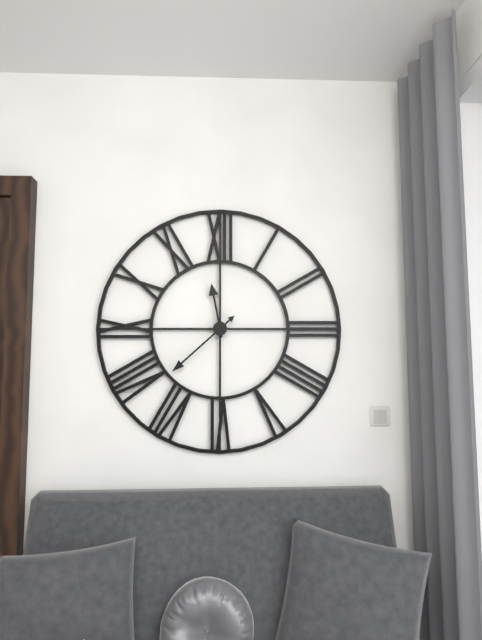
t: h=11 m=38
